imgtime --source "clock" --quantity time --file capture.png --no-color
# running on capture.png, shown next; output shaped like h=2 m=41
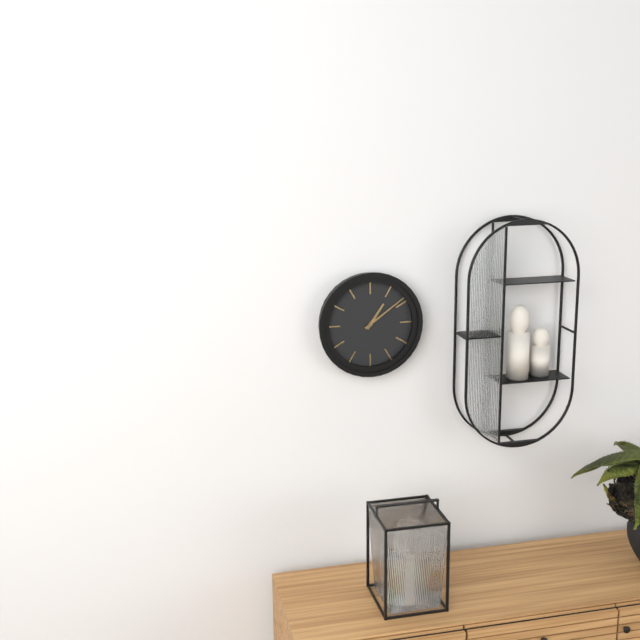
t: h=1 m=9
